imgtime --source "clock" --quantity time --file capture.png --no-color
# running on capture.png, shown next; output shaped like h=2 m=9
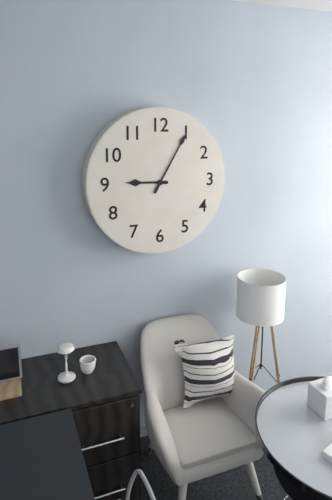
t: h=9 m=5
